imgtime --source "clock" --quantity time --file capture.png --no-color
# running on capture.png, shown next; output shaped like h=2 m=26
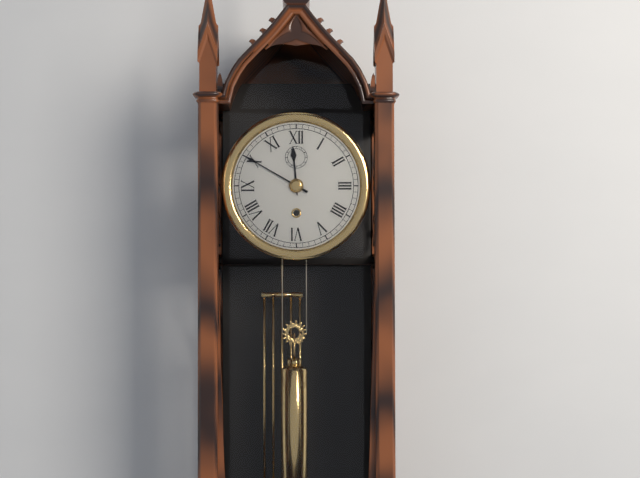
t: h=11 m=50
